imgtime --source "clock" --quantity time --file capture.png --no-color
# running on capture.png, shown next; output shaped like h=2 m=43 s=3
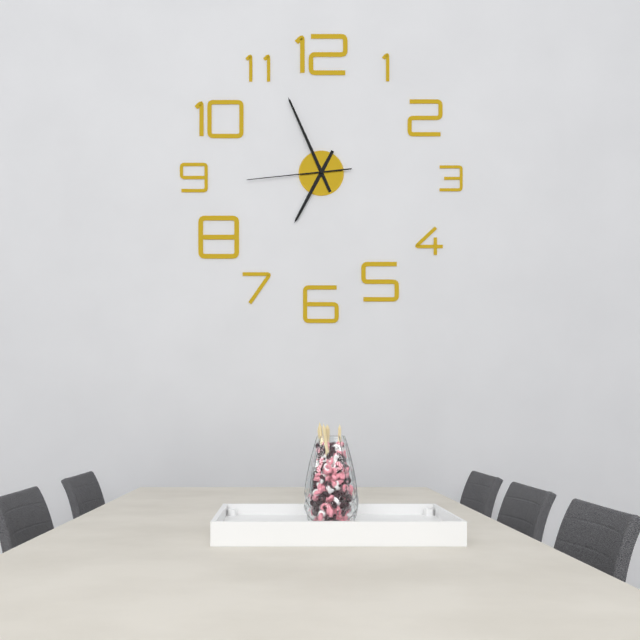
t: h=6 m=56 s=44
